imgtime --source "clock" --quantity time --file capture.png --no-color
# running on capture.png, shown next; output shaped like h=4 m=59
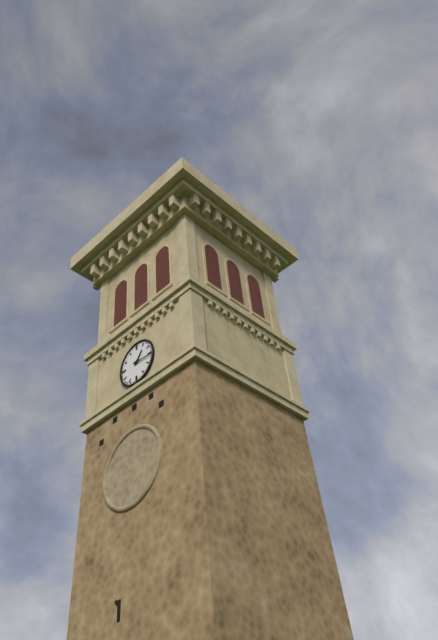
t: h=1 m=16
